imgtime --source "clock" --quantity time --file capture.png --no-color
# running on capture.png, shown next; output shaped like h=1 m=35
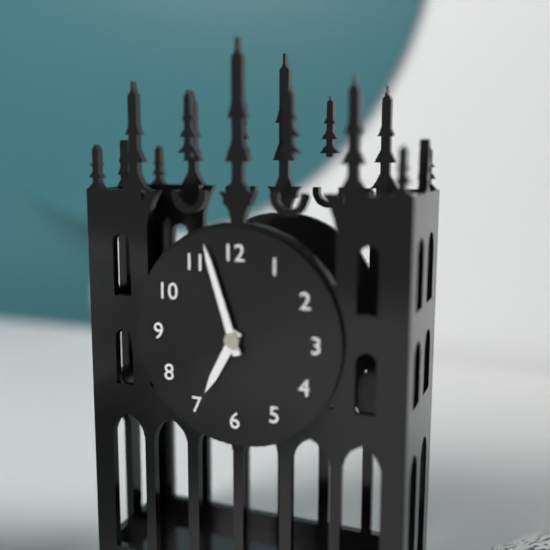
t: h=6 m=57
